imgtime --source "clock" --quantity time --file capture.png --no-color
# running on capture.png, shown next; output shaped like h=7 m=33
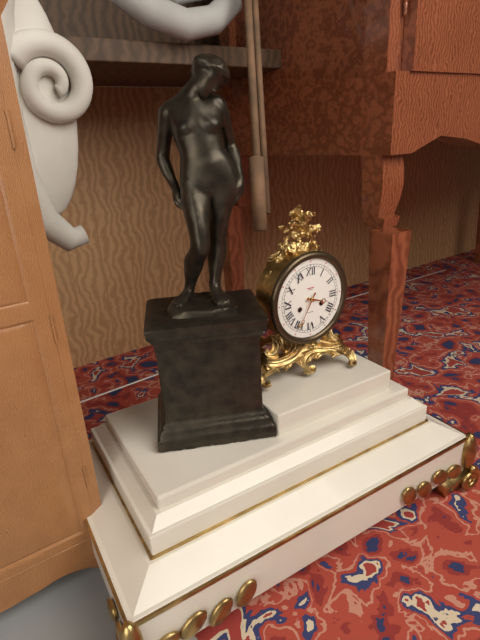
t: h=3 m=35
